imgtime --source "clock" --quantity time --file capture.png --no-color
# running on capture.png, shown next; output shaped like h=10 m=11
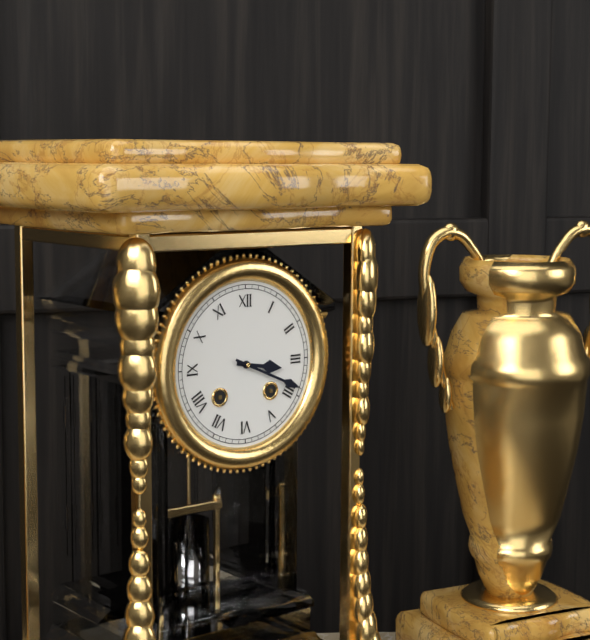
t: h=3 m=19
